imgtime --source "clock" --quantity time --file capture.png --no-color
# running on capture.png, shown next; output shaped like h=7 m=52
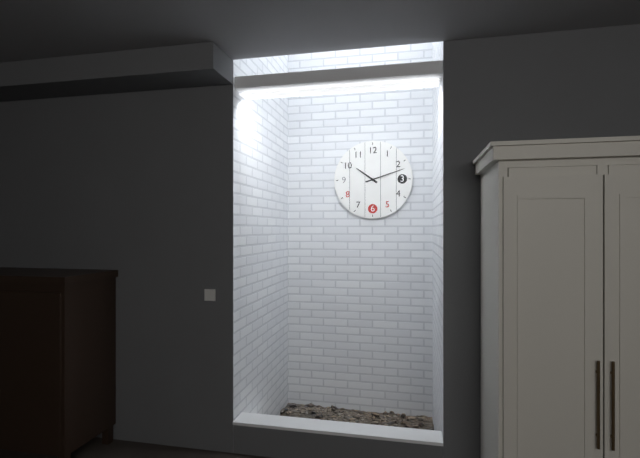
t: h=10 m=12
